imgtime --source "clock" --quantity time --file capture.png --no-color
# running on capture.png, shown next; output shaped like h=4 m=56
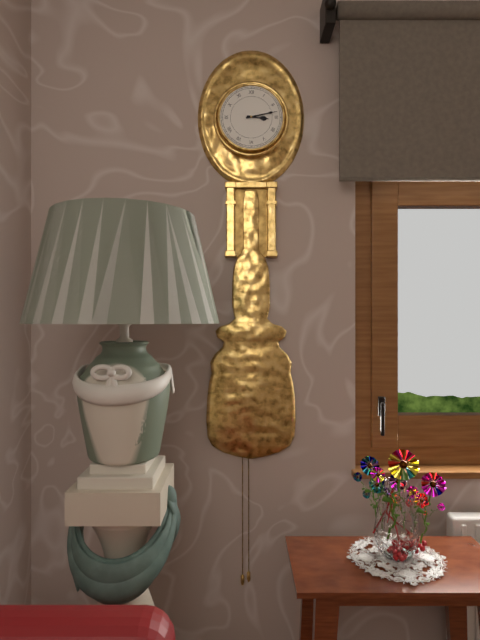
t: h=3 m=13
